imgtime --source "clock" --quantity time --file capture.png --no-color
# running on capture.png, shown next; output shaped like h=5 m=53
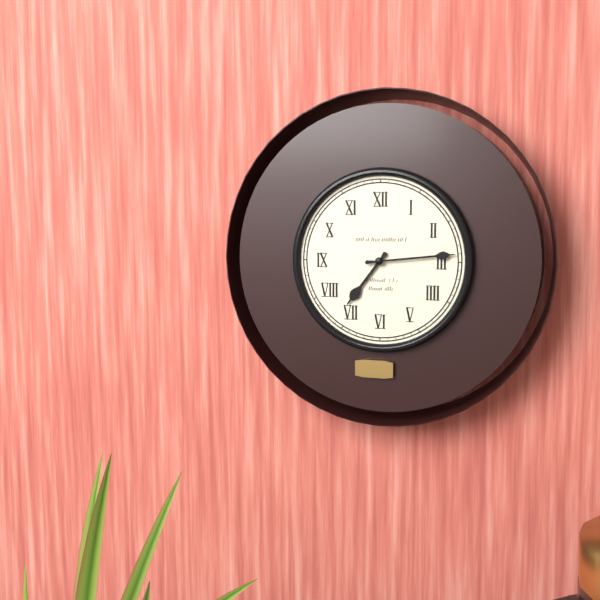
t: h=7 m=14
